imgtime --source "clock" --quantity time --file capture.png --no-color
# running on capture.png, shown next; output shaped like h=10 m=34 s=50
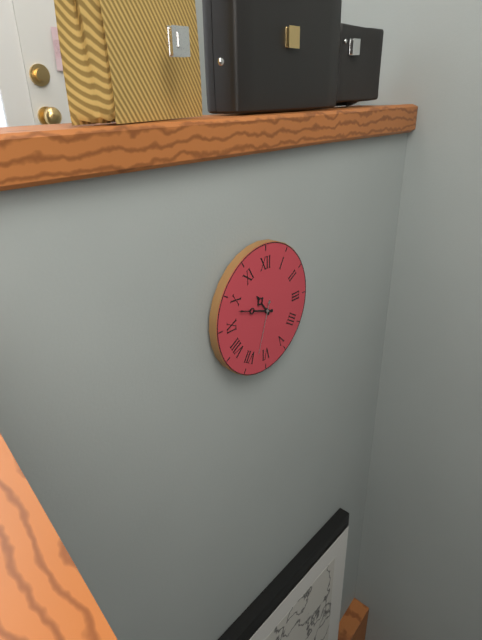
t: h=10 m=48 s=33
